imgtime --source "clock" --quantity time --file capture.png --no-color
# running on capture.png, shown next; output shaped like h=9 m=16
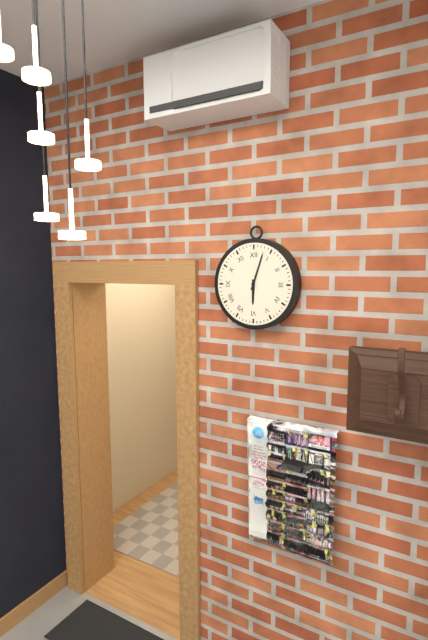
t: h=6 m=3
